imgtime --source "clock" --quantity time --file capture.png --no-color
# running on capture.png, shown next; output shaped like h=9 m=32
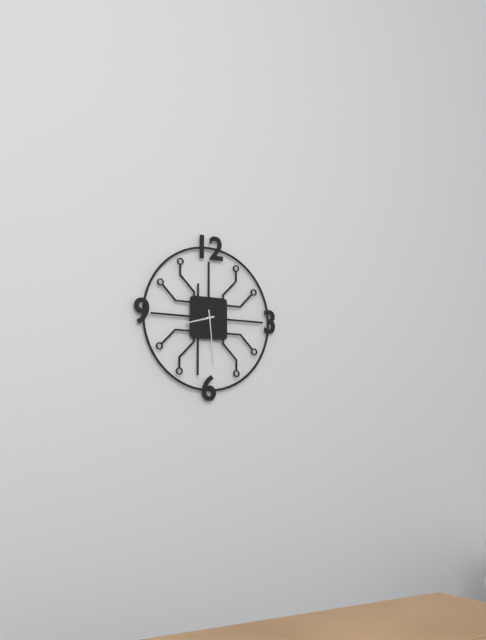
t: h=8 m=29
